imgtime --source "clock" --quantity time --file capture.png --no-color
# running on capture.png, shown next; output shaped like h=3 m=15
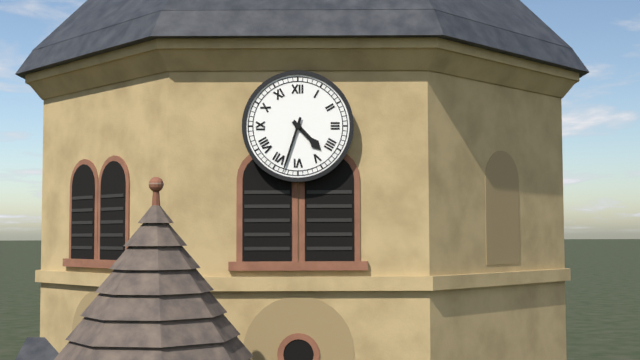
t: h=4 m=33
